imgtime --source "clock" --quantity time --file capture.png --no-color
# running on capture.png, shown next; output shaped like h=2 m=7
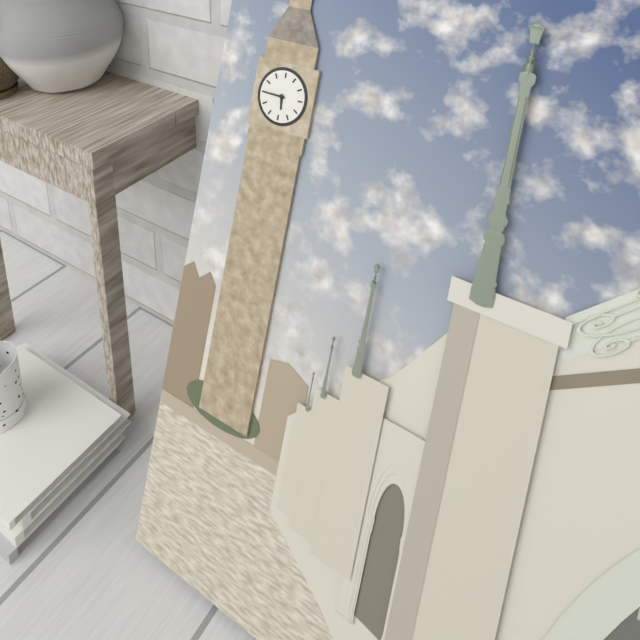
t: h=5 m=45
